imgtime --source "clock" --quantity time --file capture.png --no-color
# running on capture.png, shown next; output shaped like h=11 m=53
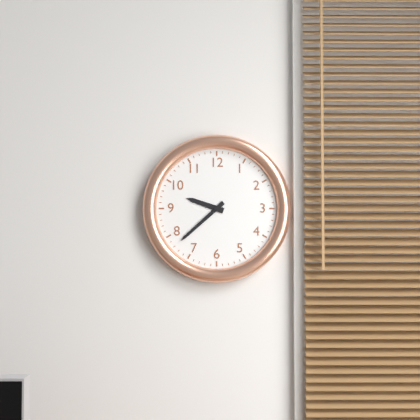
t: h=9 m=38
